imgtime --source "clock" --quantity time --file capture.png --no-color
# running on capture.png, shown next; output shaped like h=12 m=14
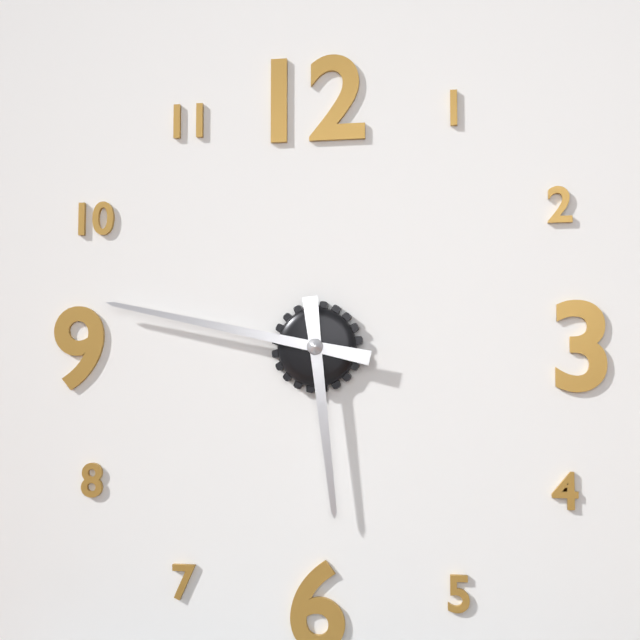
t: h=5 m=47
